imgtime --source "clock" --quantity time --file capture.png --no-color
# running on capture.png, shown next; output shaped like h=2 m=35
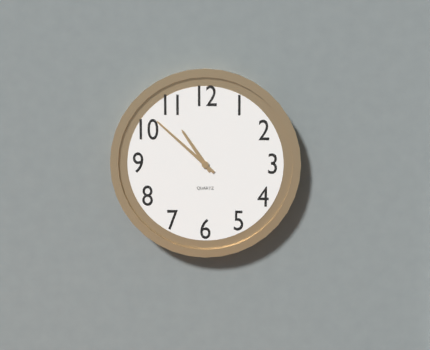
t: h=10 m=52
